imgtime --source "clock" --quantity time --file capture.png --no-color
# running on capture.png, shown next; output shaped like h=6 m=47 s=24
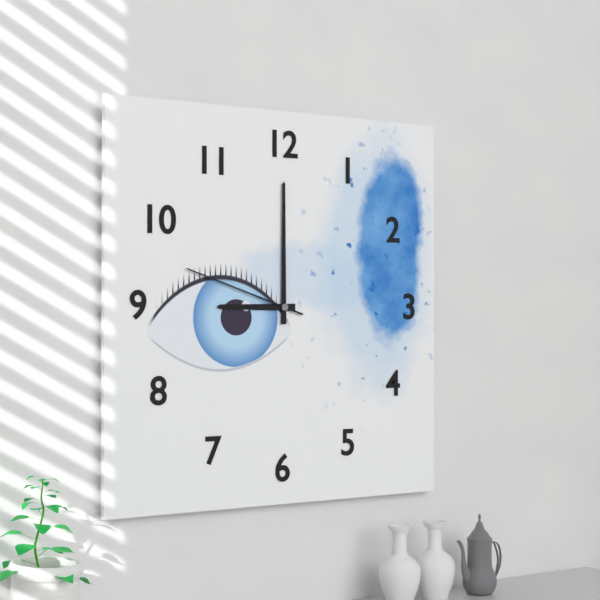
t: h=9 m=0 s=48
